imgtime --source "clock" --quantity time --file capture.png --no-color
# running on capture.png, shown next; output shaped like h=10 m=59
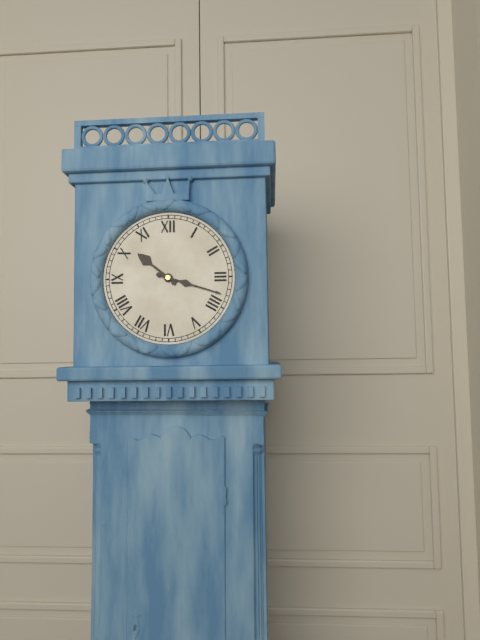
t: h=10 m=18
